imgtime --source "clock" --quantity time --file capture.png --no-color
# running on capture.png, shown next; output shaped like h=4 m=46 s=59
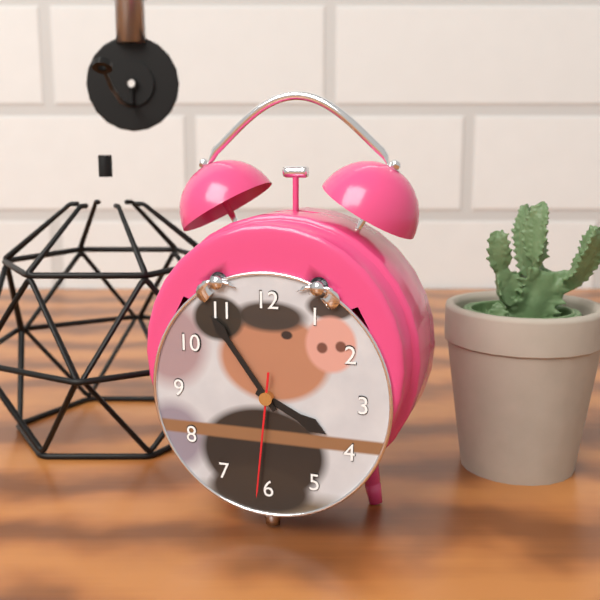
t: h=3 m=54 s=31
